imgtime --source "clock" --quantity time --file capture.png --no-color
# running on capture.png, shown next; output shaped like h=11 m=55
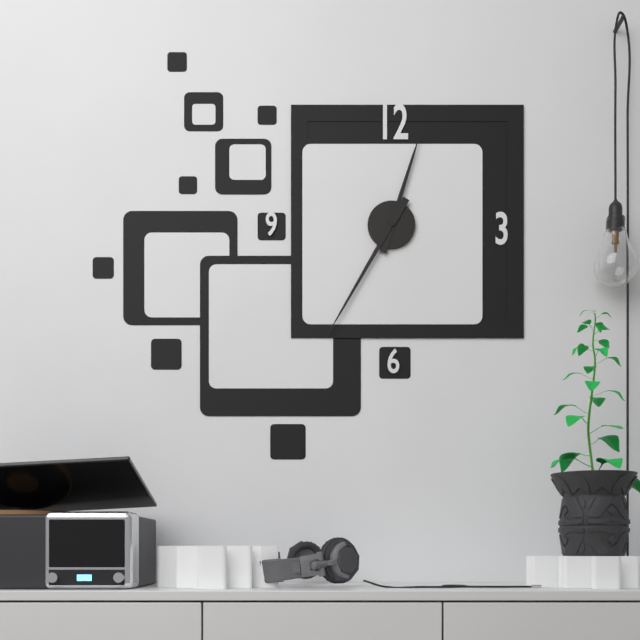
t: h=12 m=35
